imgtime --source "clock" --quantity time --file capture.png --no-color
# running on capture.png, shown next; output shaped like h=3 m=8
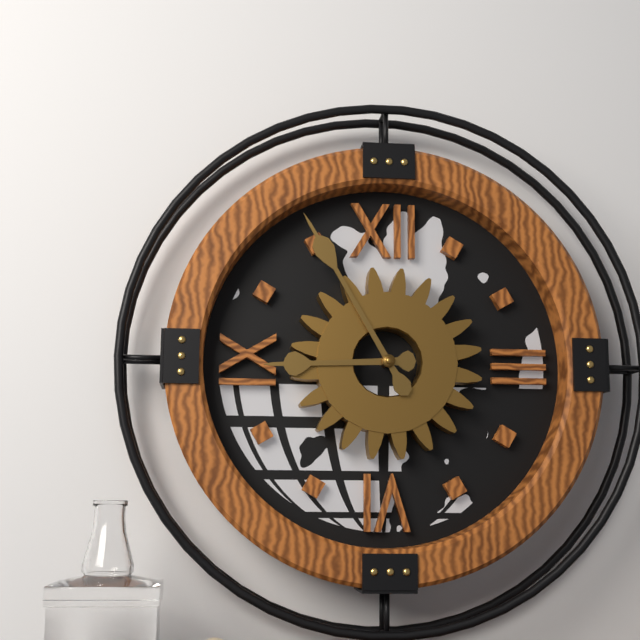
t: h=8 m=55
